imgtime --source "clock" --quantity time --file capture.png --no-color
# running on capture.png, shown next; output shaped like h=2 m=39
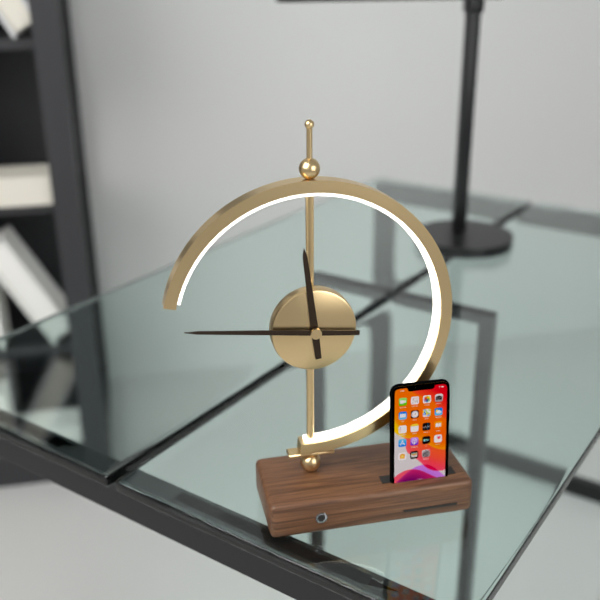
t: h=11 m=46
